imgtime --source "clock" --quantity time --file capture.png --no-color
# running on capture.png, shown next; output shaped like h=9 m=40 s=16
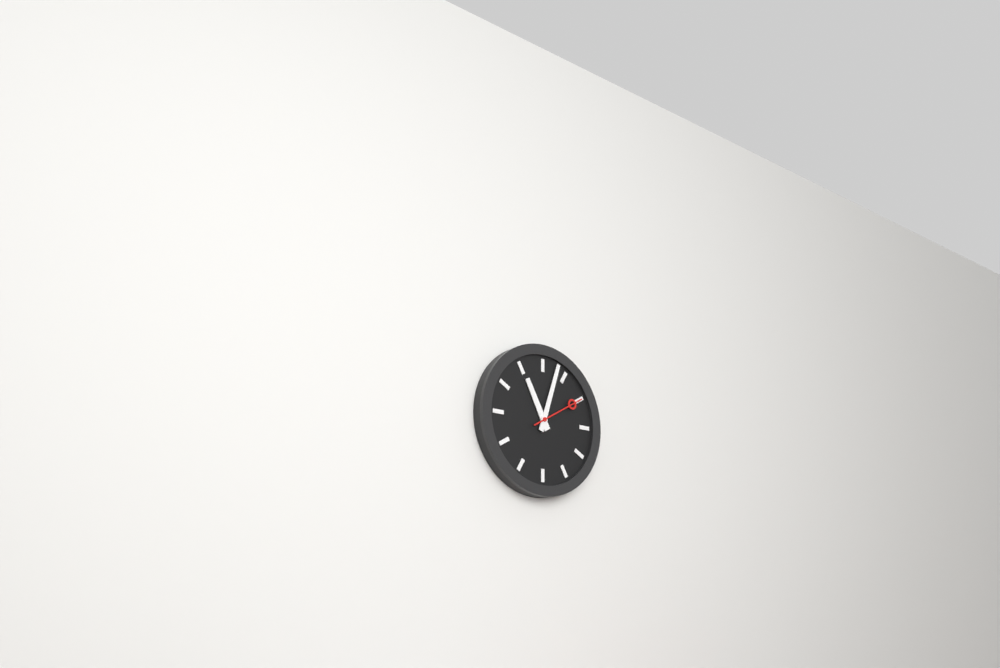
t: h=11 m=3 s=10
